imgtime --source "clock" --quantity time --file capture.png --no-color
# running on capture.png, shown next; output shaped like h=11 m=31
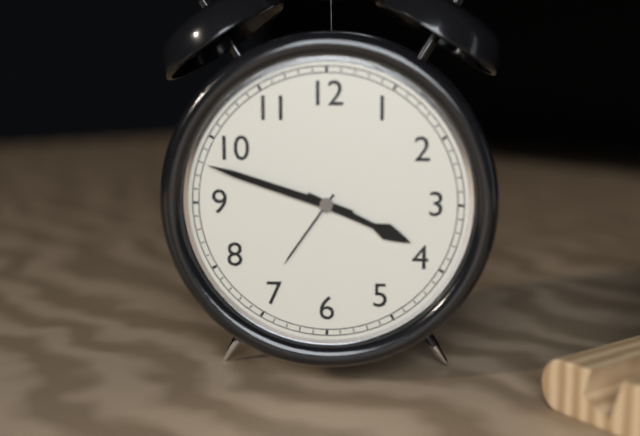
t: h=3 m=48
